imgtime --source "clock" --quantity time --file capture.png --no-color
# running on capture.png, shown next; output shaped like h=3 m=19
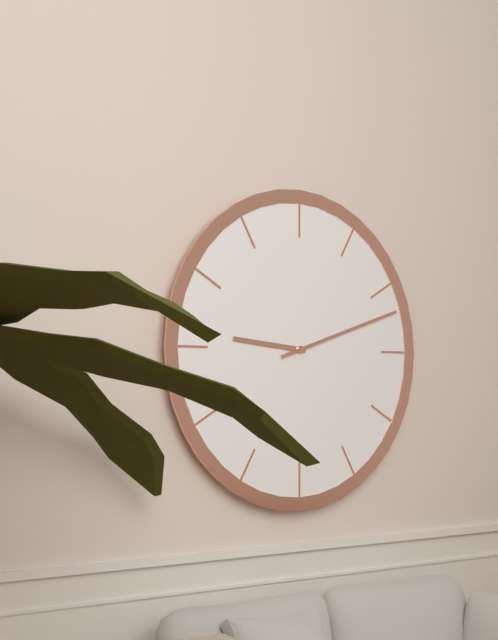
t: h=9 m=12
